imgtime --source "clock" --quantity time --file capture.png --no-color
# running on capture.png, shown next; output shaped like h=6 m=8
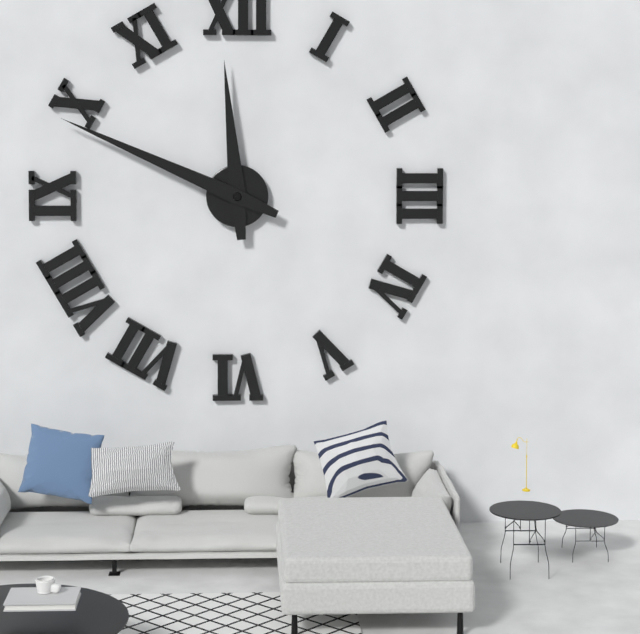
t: h=11 m=49
